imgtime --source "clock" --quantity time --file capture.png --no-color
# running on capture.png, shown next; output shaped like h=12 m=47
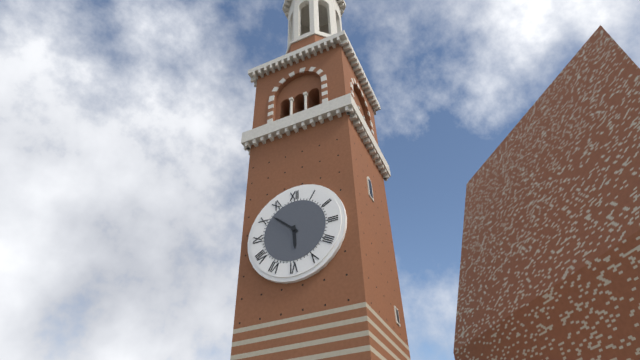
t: h=5 m=52
